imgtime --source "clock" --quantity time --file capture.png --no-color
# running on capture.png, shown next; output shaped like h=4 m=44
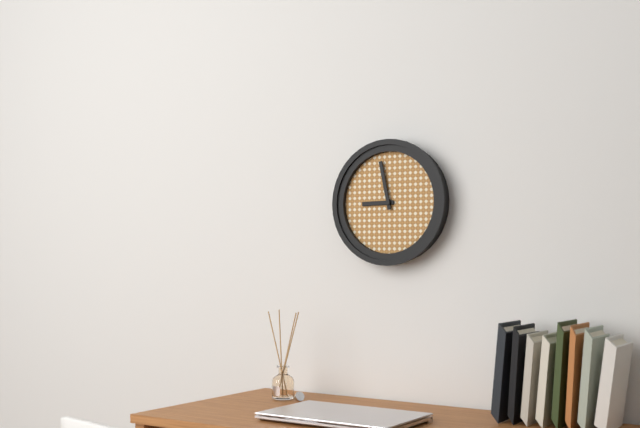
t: h=8 m=58
